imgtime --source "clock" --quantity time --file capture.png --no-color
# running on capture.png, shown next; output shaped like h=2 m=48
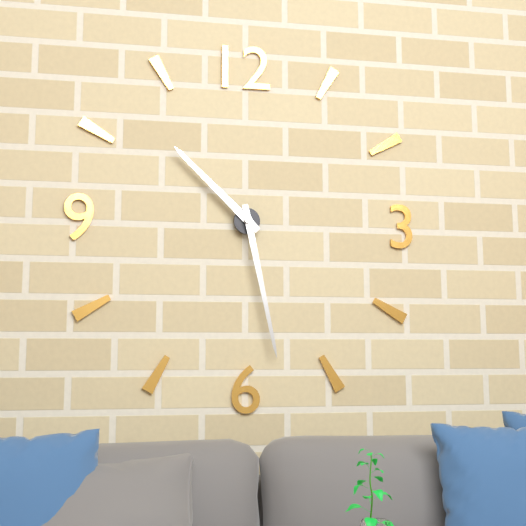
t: h=10 m=28
